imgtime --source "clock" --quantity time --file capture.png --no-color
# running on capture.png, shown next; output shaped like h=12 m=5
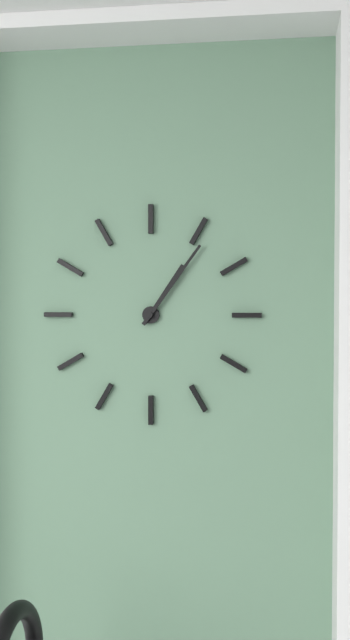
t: h=1 m=6
